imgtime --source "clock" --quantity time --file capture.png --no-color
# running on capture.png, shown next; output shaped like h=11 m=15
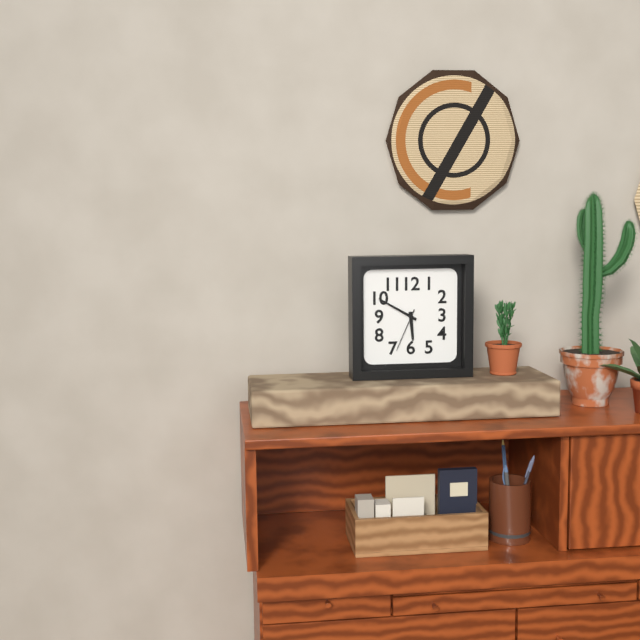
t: h=5 m=50
